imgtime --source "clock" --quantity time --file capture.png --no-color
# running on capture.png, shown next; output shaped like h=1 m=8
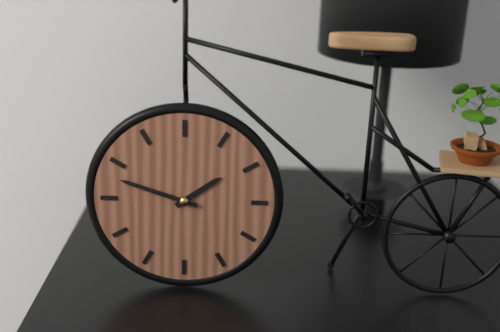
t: h=1 m=48
